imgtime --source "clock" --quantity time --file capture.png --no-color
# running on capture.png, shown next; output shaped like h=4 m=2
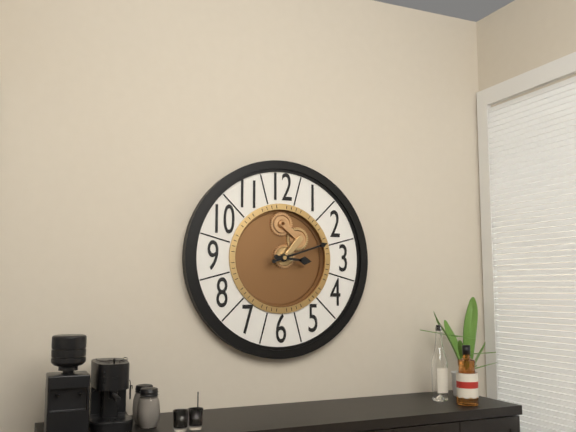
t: h=3 m=12
